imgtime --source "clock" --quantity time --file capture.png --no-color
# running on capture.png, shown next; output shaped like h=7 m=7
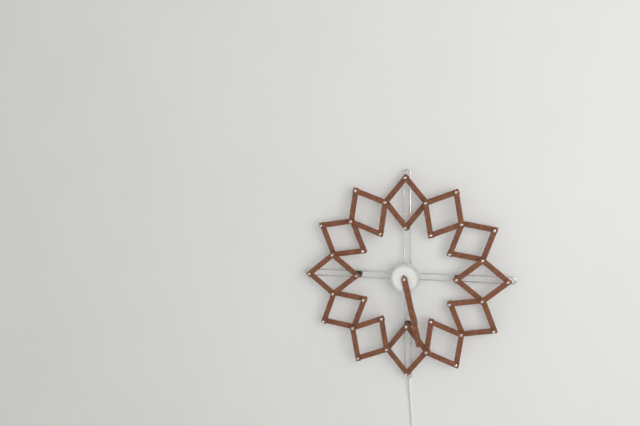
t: h=5 m=28
